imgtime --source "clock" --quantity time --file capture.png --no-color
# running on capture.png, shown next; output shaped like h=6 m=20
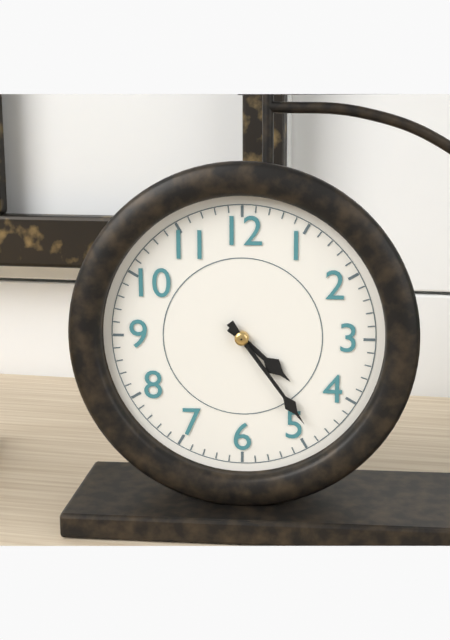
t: h=4 m=24
